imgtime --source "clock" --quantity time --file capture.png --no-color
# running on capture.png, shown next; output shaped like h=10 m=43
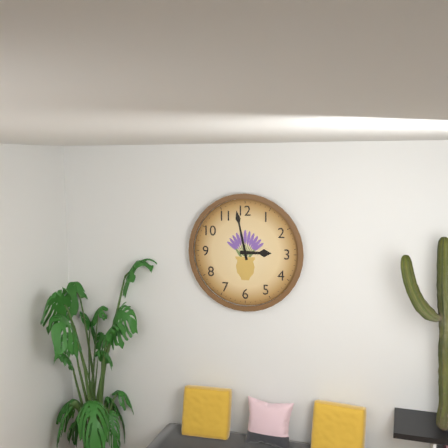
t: h=2 m=58
